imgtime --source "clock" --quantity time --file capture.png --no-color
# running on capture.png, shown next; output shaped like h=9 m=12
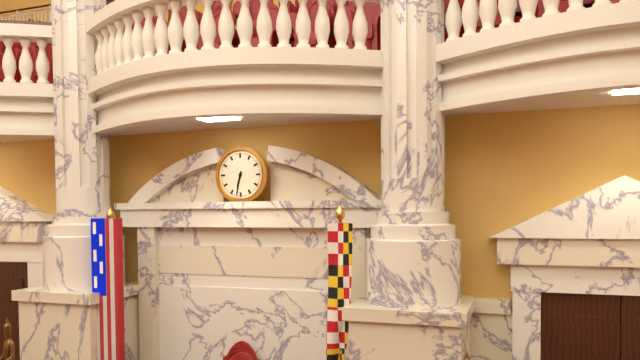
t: h=6 m=32
